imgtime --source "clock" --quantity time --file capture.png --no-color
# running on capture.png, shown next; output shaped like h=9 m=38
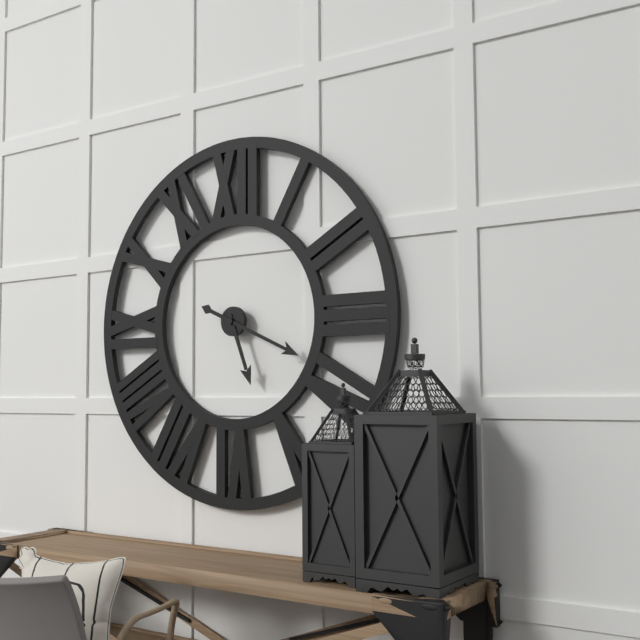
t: h=5 m=19
